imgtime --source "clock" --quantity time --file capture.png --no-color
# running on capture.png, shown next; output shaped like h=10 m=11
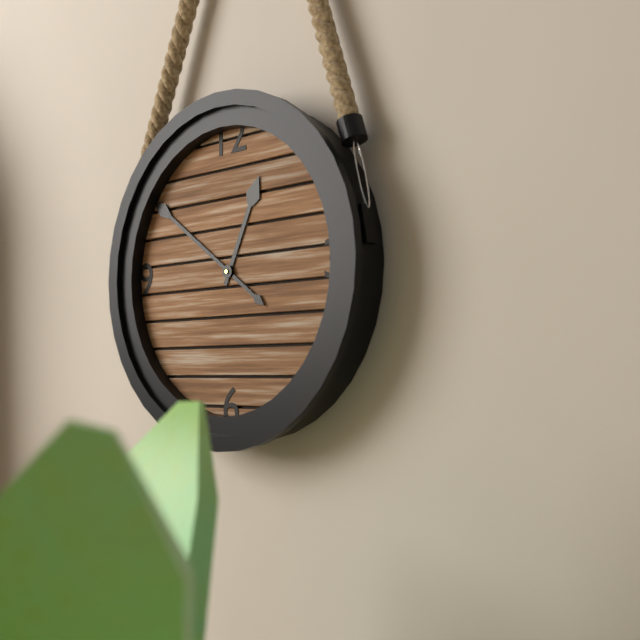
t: h=12 m=51
